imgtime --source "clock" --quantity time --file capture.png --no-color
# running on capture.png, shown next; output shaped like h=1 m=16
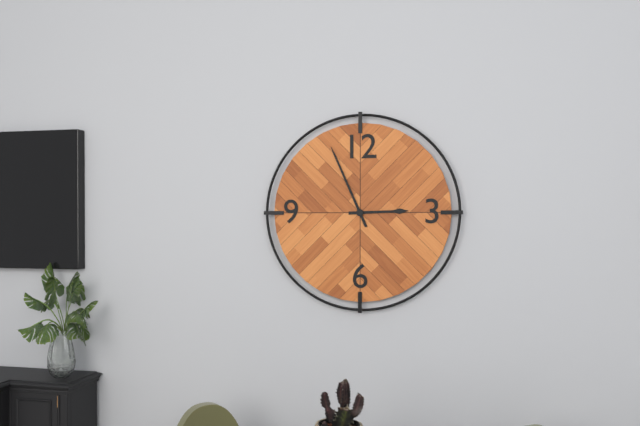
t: h=2 m=56
